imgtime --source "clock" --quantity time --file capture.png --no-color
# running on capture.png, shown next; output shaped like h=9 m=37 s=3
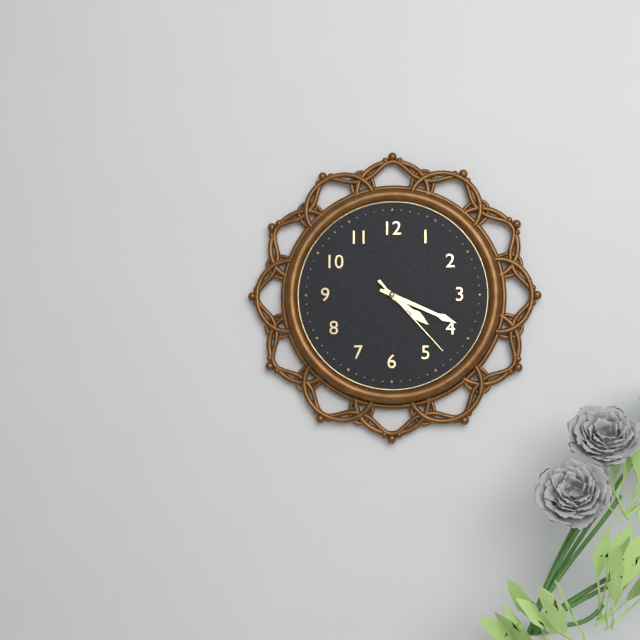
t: h=4 m=19 s=23
